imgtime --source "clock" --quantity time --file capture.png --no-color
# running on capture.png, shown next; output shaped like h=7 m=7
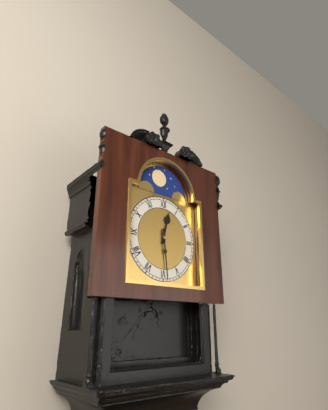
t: h=12 m=29
